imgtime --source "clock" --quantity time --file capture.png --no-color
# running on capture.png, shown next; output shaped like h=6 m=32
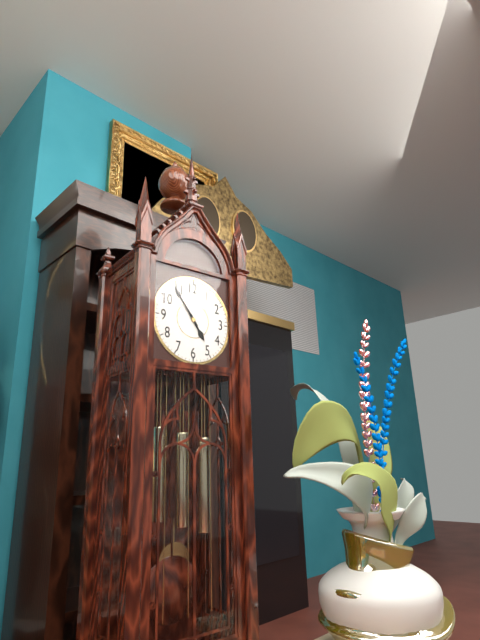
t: h=4 m=54
